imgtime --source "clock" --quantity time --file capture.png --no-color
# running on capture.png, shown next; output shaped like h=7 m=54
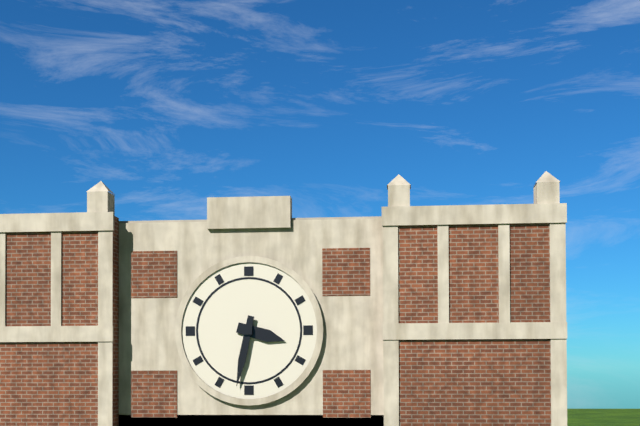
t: h=3 m=32
